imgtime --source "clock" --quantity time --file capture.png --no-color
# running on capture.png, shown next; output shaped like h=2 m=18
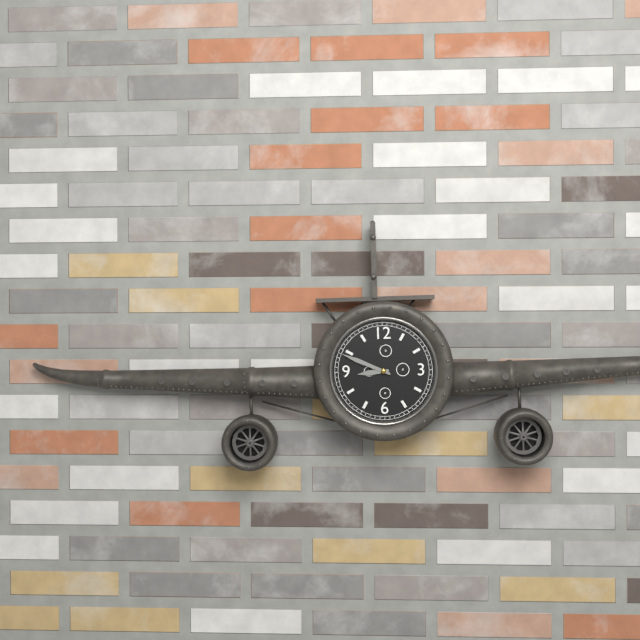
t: h=8 m=49
